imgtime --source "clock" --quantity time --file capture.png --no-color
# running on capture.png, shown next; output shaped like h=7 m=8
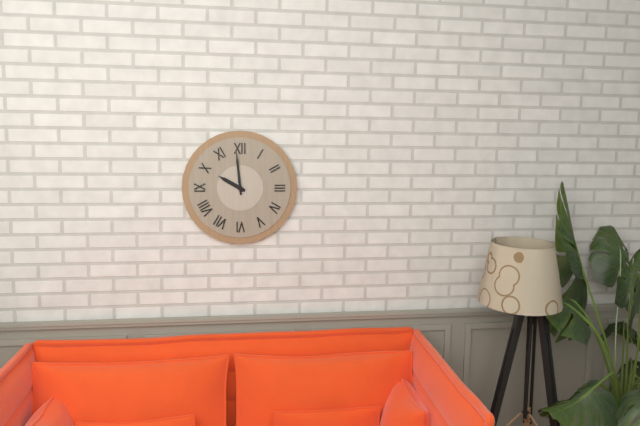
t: h=9 m=59
